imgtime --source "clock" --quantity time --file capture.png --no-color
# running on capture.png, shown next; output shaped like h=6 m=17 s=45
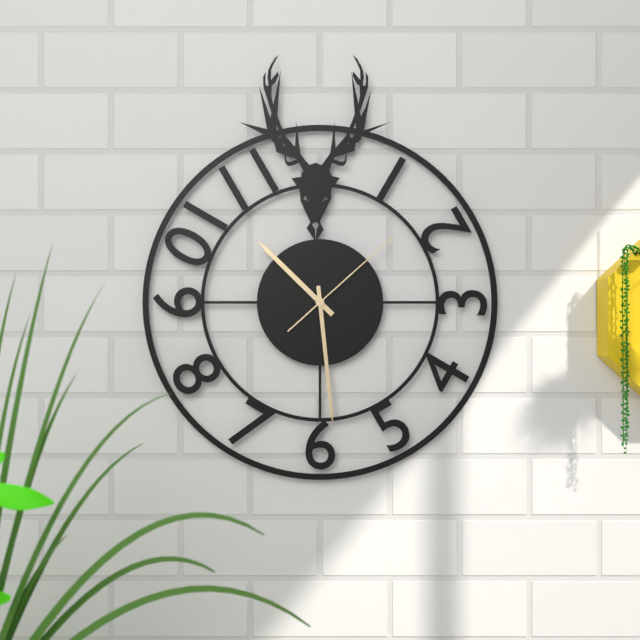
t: h=10 m=29 s=8
